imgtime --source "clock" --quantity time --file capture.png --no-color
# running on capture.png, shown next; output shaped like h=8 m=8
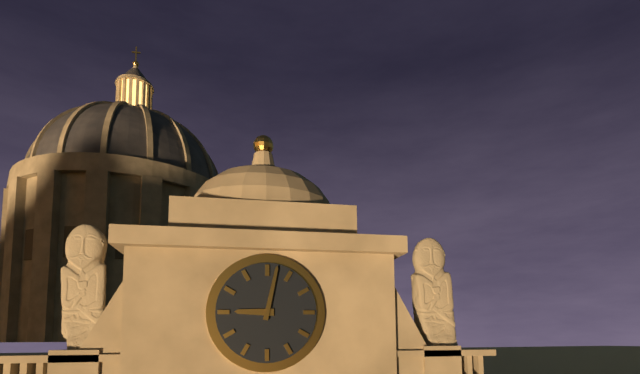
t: h=9 m=2
